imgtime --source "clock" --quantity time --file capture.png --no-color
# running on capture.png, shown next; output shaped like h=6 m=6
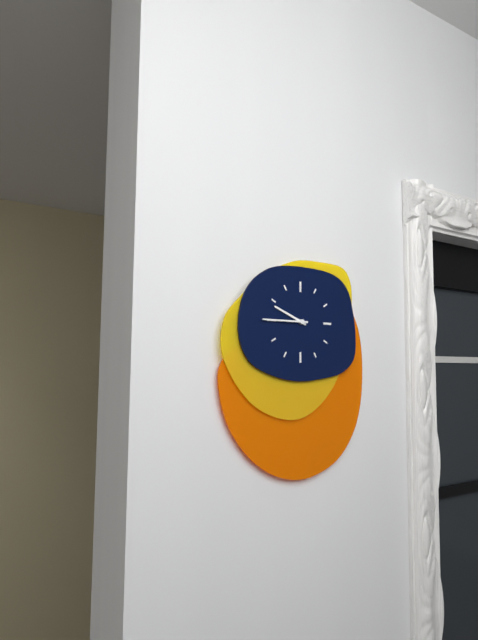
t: h=9 m=45
